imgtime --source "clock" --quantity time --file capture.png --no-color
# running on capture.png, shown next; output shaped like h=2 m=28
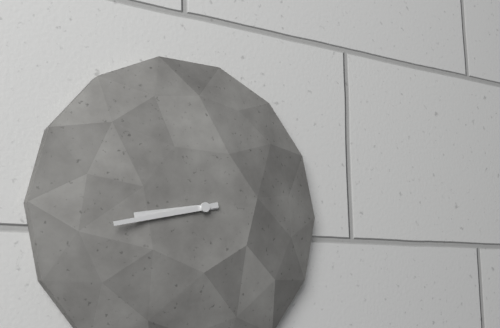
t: h=8 m=43
